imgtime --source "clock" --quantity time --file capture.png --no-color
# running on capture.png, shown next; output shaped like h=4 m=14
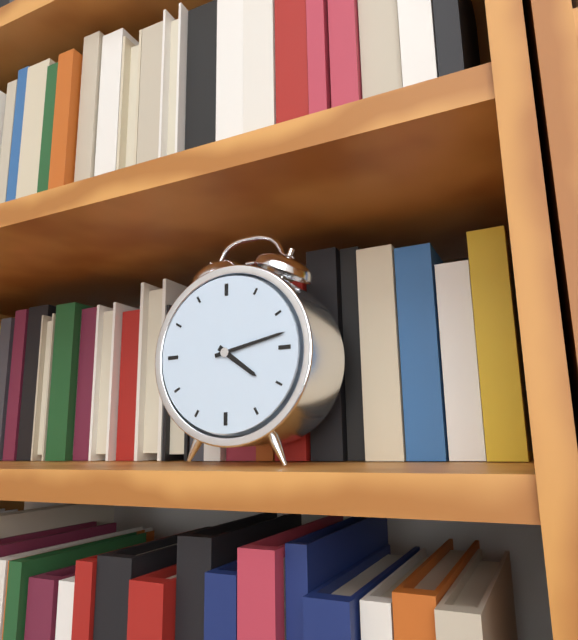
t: h=4 m=13
